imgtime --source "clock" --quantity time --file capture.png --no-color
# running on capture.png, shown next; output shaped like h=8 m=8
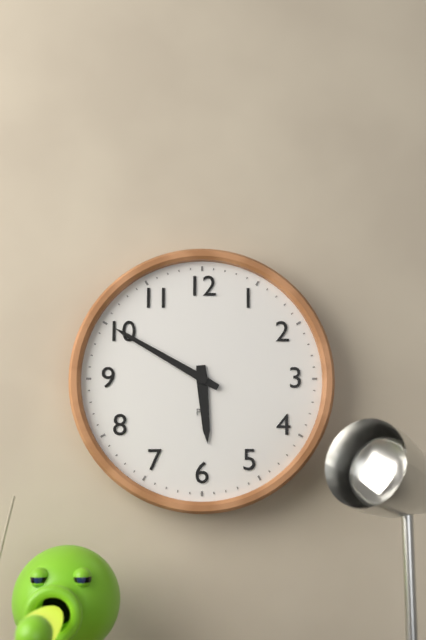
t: h=5 m=50
